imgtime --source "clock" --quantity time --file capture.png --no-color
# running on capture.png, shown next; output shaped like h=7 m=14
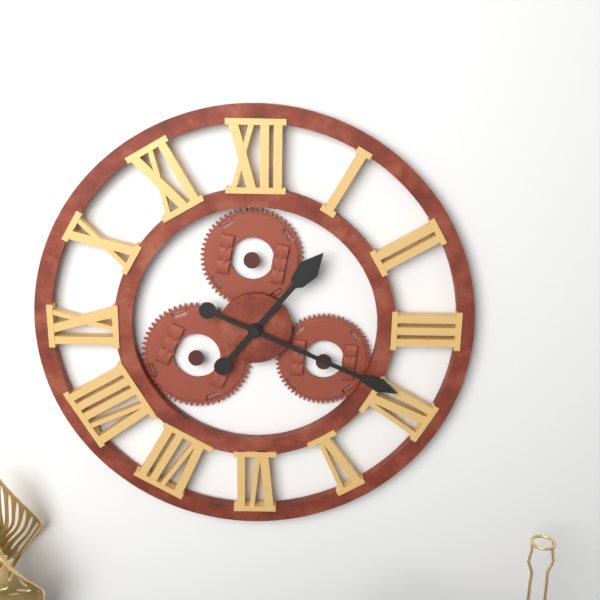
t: h=1 m=19
